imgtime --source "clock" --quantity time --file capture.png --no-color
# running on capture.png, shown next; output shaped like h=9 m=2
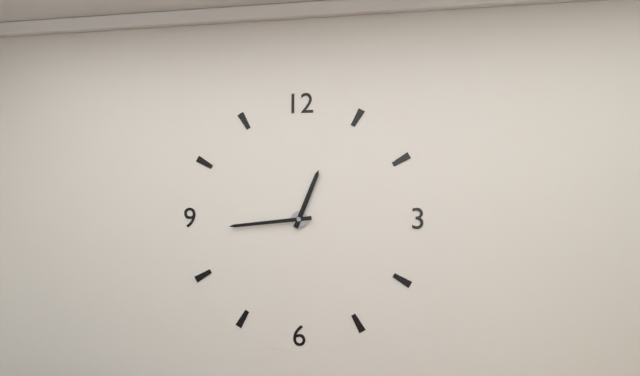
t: h=12 m=44
